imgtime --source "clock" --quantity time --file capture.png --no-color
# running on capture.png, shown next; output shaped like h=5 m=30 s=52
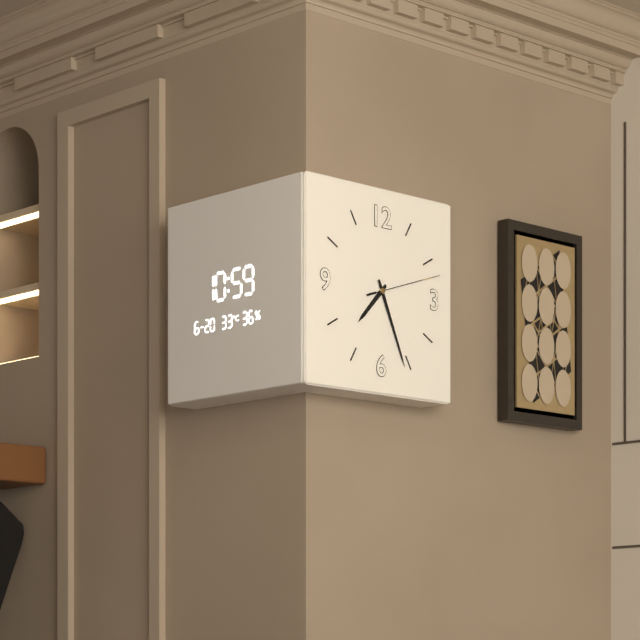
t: h=7 m=26 s=12
